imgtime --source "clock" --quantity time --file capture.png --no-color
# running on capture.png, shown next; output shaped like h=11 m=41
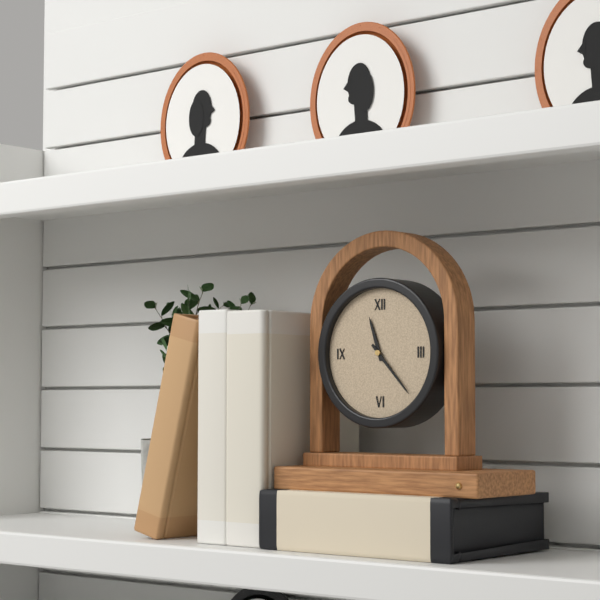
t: h=11 m=23
